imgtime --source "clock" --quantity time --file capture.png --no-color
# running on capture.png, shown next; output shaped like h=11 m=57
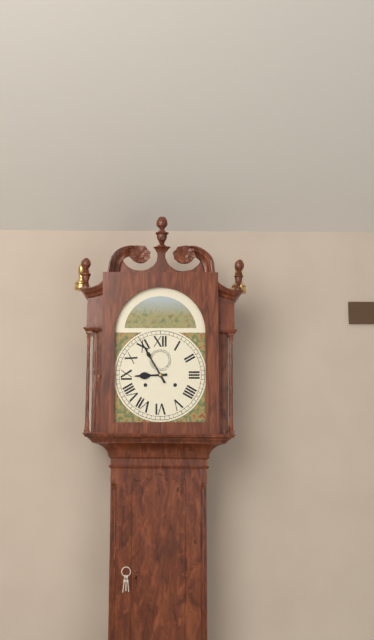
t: h=8 m=55
